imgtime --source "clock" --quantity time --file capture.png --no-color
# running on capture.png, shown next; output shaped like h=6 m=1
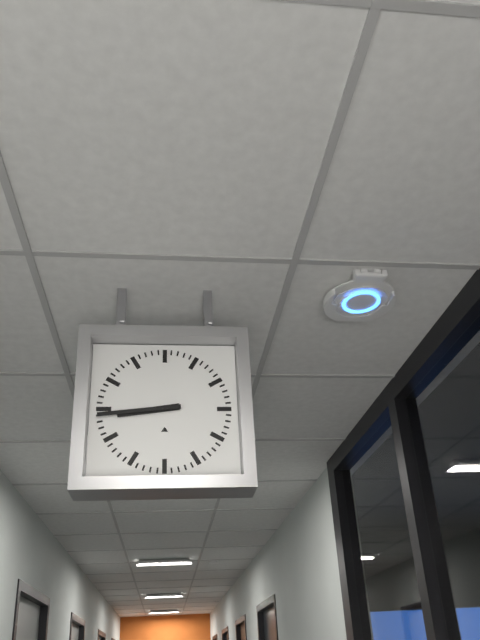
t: h=8 m=44
